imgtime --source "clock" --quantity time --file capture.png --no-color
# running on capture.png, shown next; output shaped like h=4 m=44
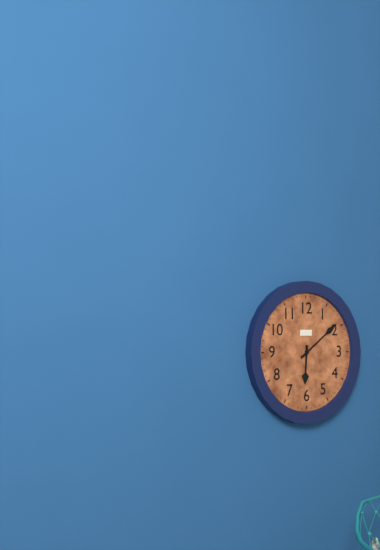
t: h=6 m=9
